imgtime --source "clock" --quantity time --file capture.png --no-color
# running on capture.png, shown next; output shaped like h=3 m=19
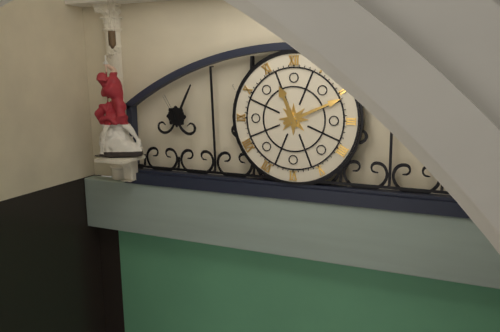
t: h=11 m=11
